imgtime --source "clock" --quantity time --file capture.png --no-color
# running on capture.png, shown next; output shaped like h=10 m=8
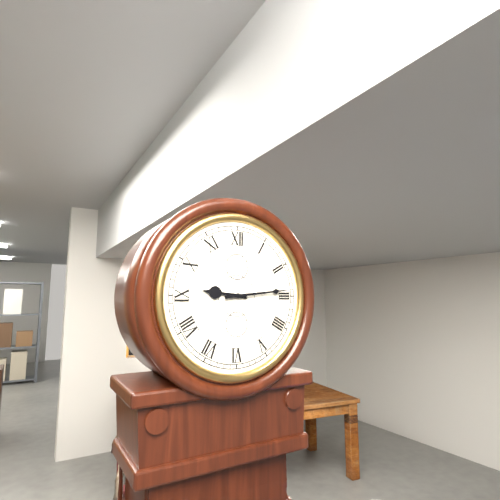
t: h=9 m=14
